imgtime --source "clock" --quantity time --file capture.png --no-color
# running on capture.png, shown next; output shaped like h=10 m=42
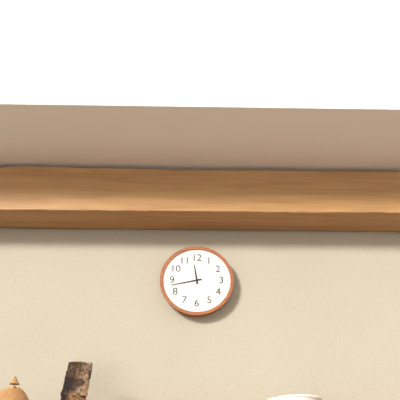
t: h=11 m=43
